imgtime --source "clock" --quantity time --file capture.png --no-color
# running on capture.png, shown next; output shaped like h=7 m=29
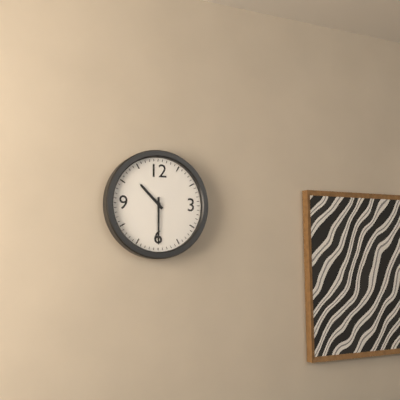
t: h=10 m=30
